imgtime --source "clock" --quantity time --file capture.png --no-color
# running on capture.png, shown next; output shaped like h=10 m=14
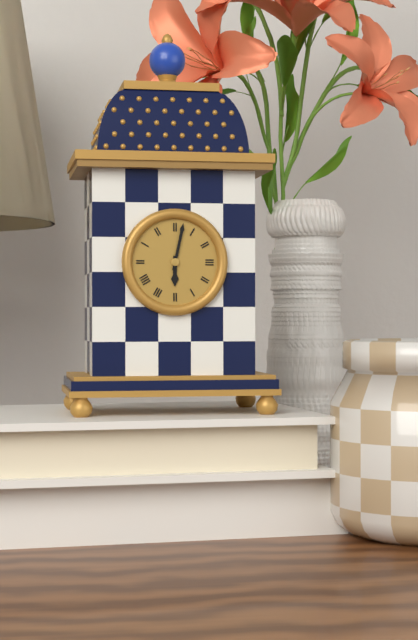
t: h=6 m=2
